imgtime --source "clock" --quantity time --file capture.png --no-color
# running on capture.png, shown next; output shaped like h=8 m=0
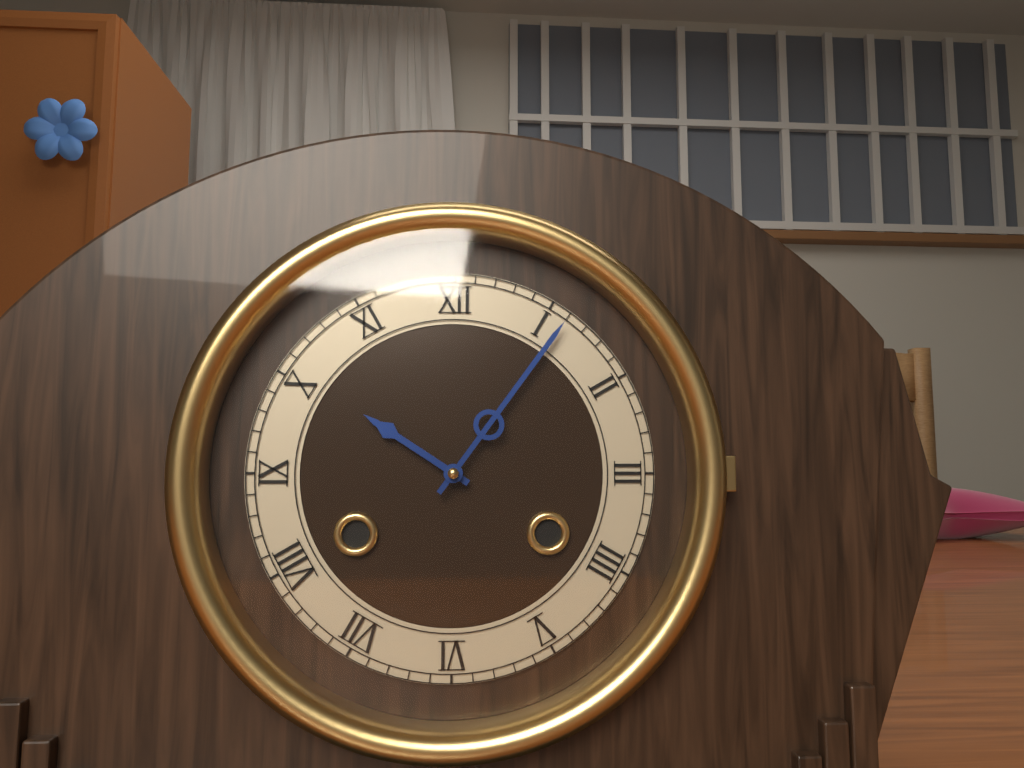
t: h=10 m=6
